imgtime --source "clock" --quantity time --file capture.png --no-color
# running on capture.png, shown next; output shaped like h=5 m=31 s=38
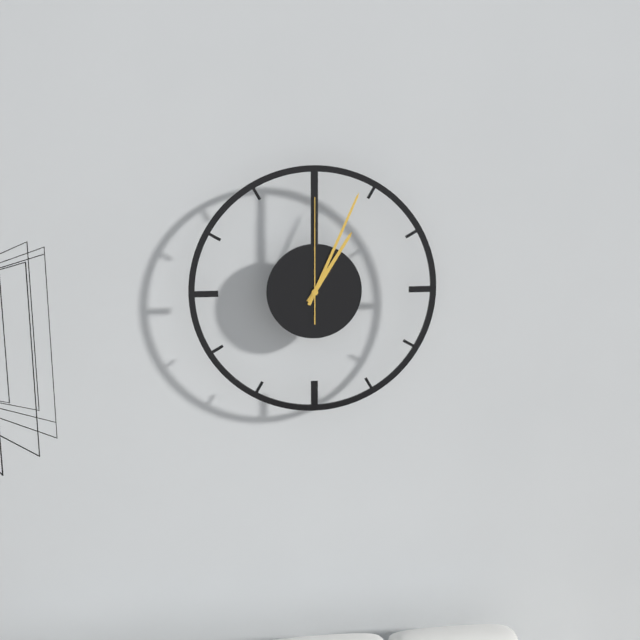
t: h=1 m=4 s=0
